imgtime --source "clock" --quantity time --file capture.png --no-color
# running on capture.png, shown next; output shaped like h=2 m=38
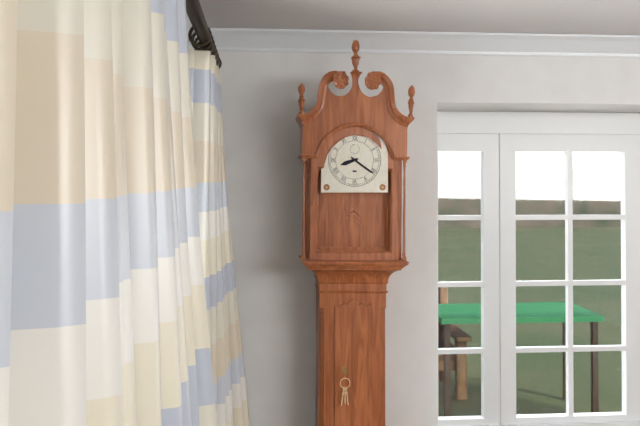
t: h=8 m=21
